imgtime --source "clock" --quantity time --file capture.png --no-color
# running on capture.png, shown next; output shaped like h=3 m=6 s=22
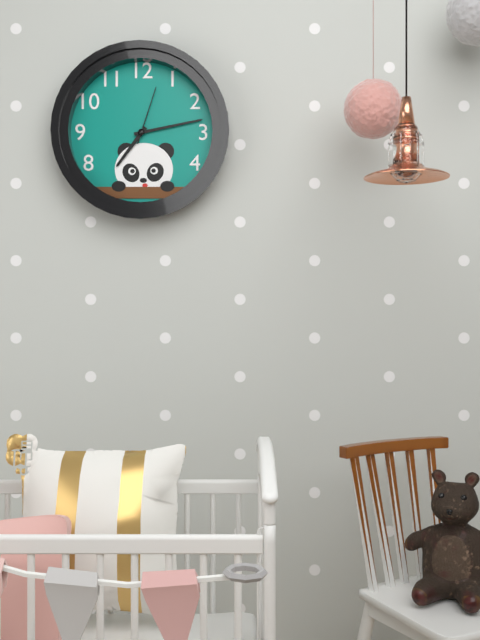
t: h=7 m=13 s=3
